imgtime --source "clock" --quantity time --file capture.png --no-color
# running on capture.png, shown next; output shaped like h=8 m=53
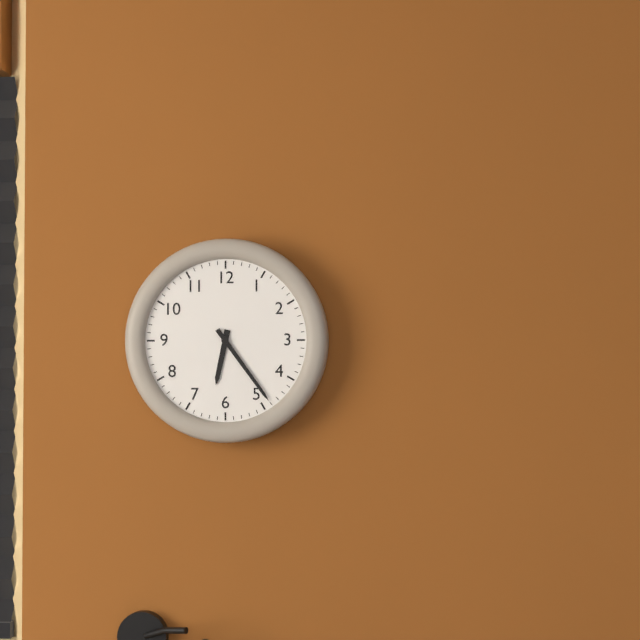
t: h=6 m=24
